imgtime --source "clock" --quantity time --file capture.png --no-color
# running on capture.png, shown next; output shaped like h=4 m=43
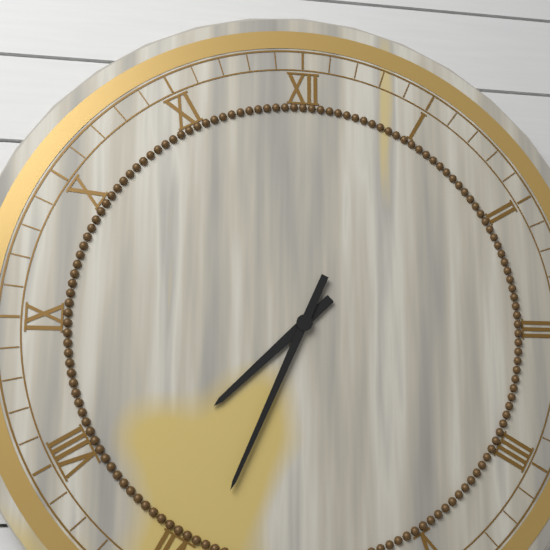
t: h=7 m=34
